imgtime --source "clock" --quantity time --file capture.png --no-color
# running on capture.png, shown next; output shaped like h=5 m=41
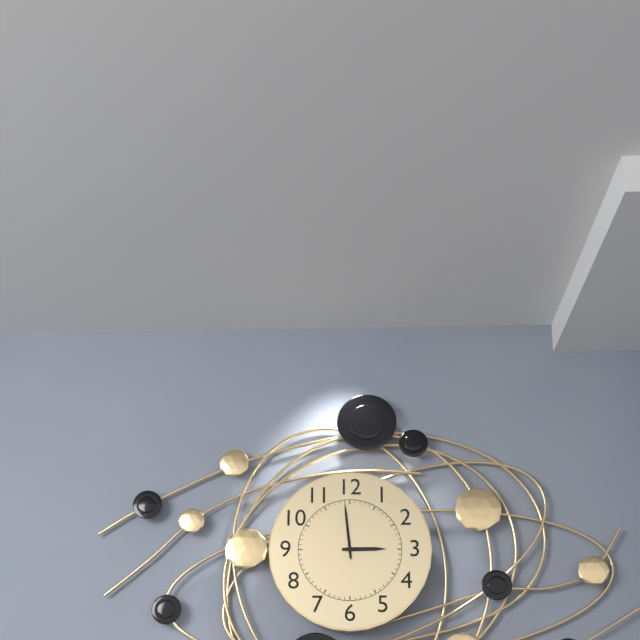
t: h=2 m=59
